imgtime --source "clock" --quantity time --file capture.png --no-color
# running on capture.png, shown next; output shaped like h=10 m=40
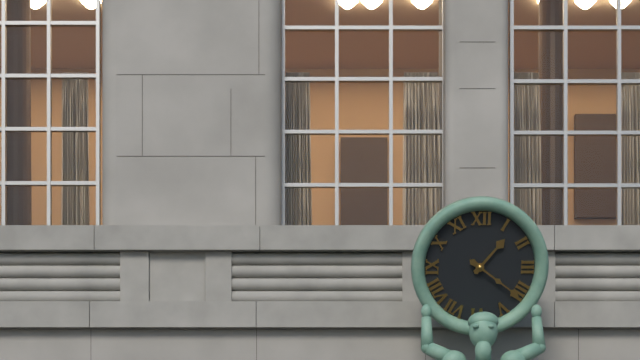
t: h=1 m=21
